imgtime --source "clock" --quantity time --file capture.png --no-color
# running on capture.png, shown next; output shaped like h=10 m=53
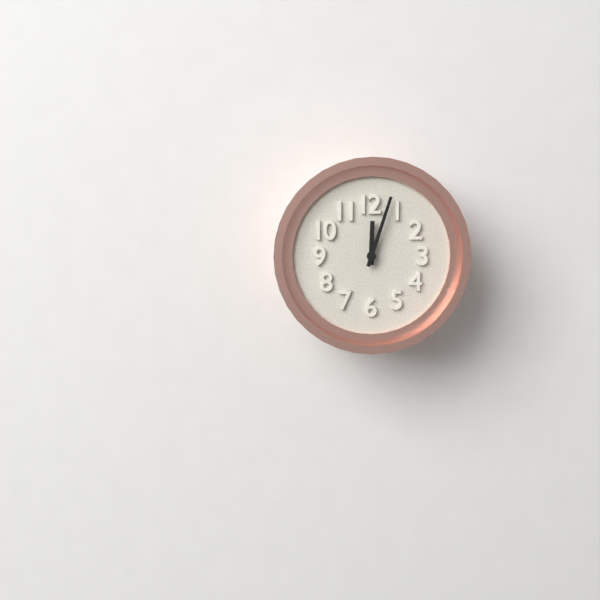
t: h=12 m=3
